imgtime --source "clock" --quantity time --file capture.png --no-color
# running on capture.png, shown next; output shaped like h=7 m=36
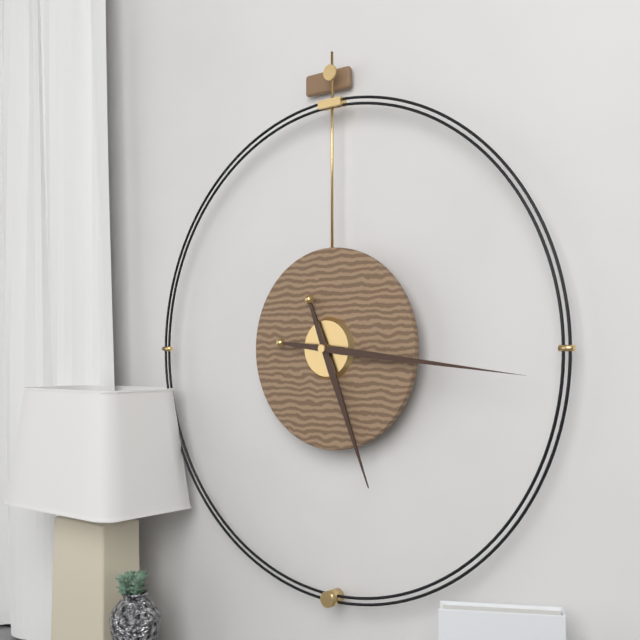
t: h=5 m=16
